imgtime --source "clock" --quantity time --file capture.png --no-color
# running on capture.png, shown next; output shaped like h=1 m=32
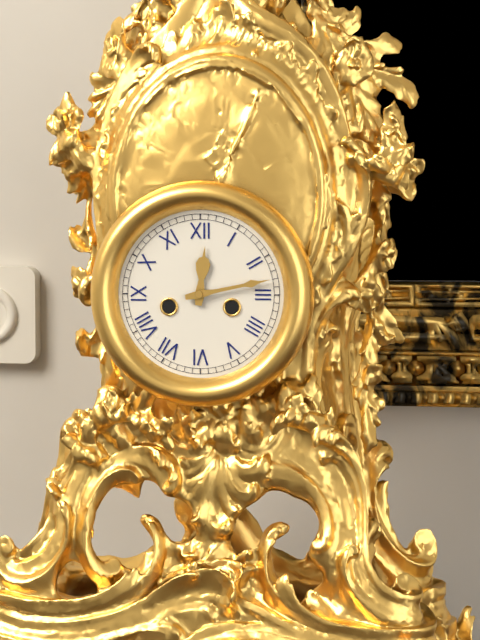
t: h=12 m=13
